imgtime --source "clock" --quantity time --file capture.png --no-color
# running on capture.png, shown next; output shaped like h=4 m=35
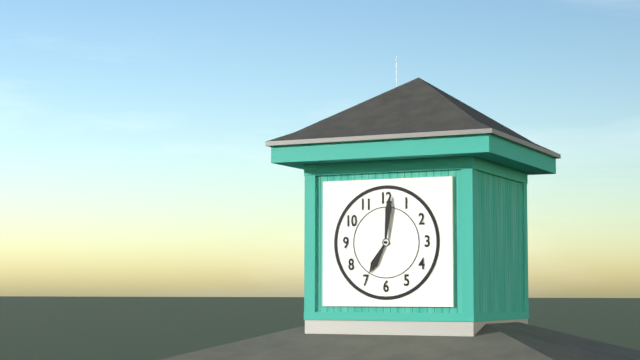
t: h=7 m=1
